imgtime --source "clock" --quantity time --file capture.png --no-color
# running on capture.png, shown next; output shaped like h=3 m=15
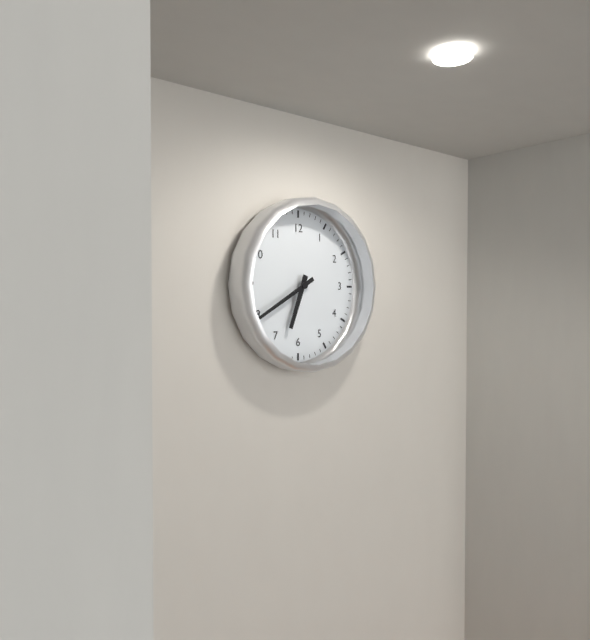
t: h=6 m=40
